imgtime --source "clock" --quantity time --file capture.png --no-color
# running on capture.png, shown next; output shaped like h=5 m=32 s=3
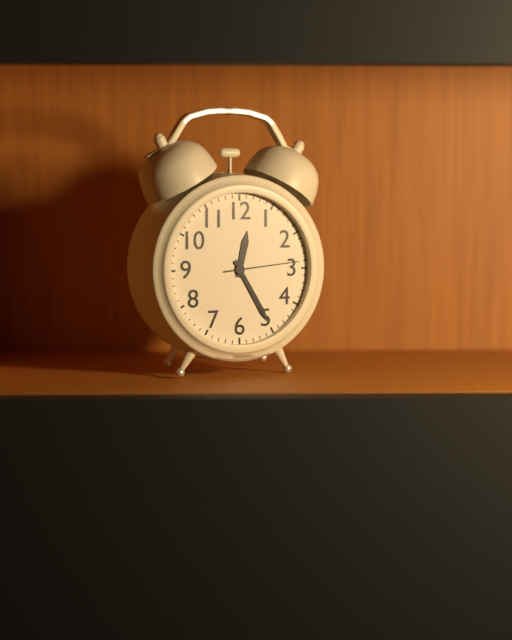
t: h=12 m=25 s=14
